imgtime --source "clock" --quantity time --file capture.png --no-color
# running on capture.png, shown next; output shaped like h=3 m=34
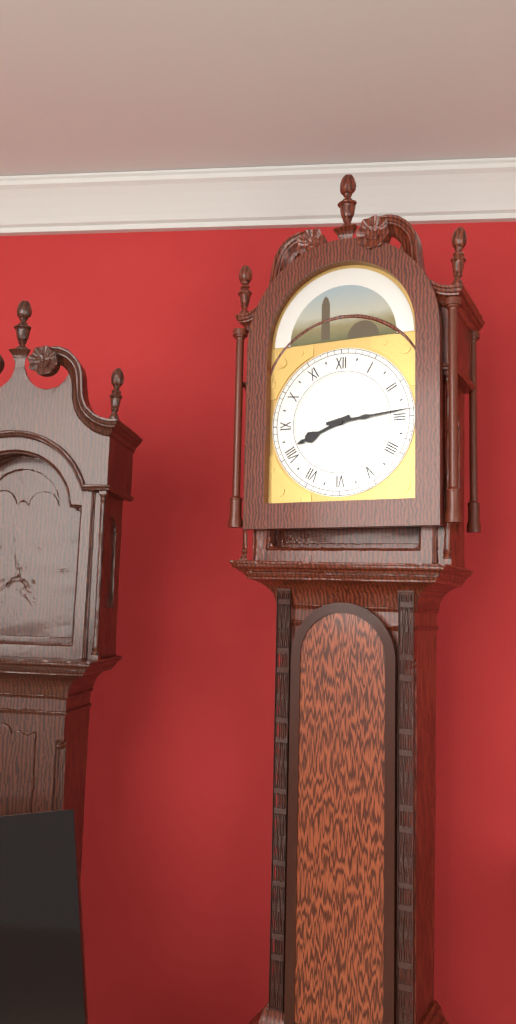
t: h=8 m=14
